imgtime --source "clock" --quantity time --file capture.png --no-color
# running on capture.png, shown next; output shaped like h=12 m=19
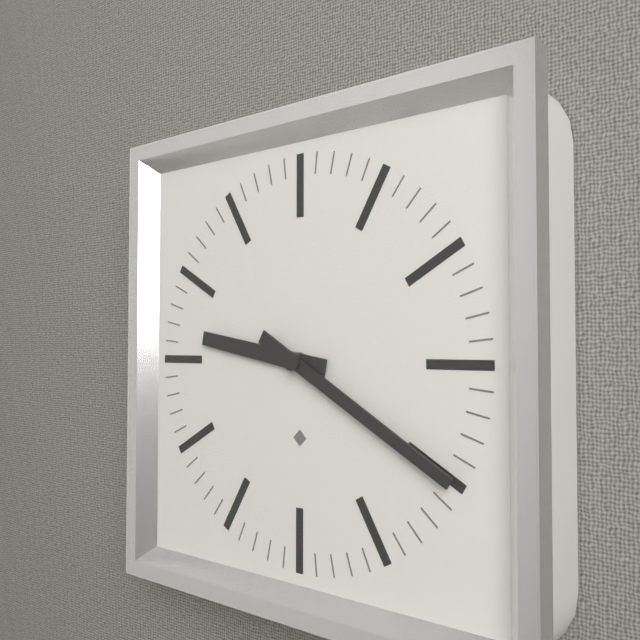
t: h=9 m=20
